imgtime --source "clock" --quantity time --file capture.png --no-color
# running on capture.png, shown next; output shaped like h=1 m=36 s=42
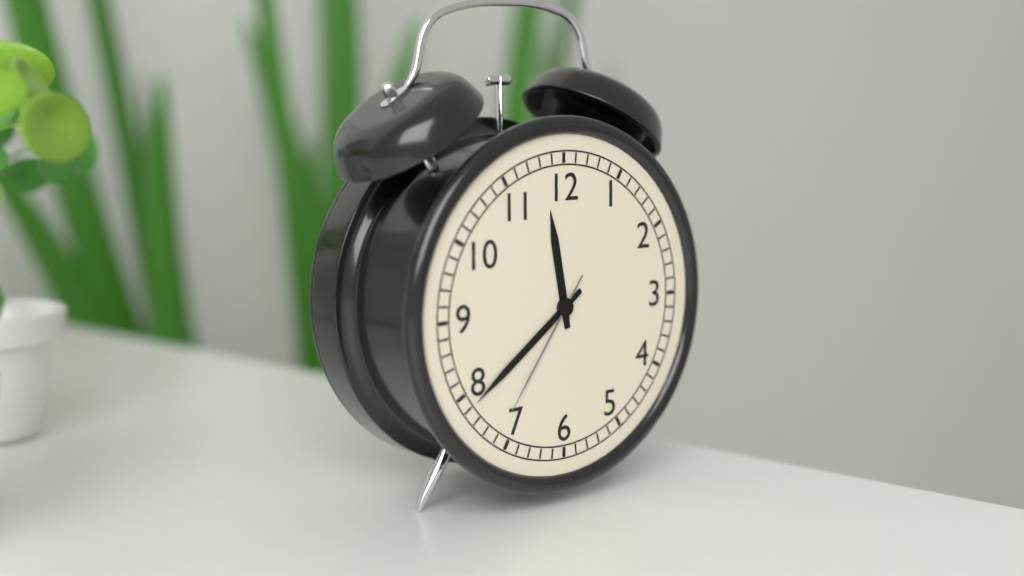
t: h=11 m=39 s=36
